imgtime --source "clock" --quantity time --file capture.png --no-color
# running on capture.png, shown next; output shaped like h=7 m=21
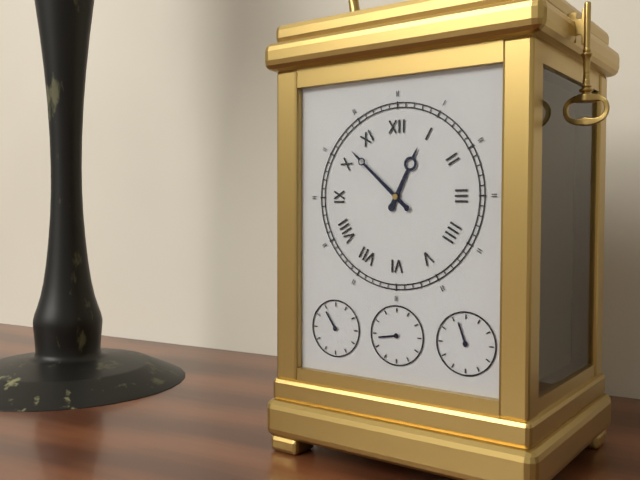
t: h=12 m=52
